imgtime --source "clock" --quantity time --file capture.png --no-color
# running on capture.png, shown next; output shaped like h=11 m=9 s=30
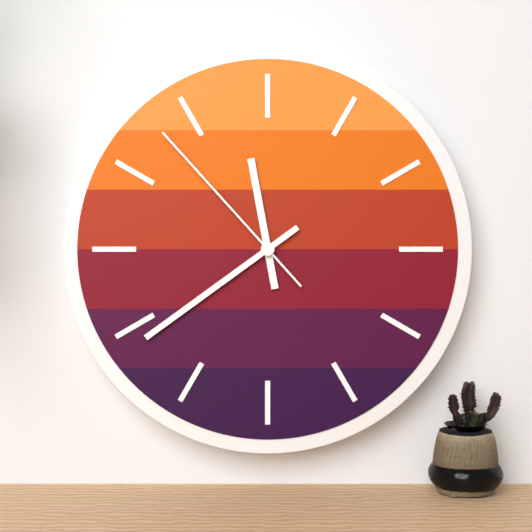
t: h=11 m=39 s=53
